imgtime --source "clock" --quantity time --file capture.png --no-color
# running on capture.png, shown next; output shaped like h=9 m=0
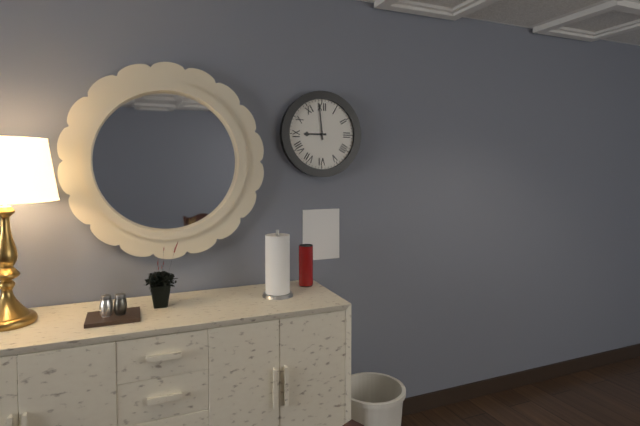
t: h=8 m=59
